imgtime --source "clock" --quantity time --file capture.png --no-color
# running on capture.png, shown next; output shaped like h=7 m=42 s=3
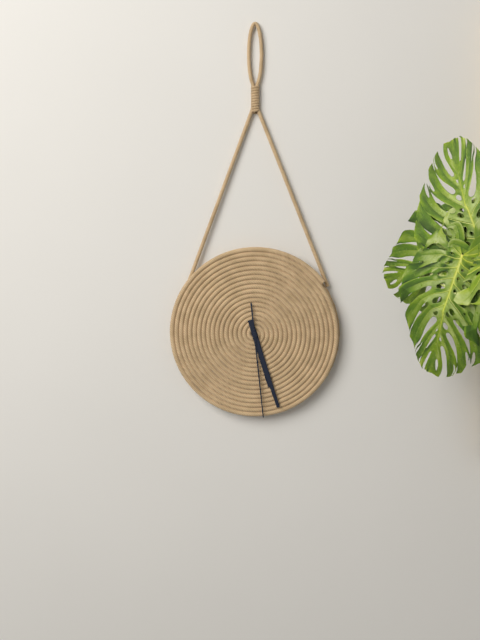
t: h=5 m=27 s=29
